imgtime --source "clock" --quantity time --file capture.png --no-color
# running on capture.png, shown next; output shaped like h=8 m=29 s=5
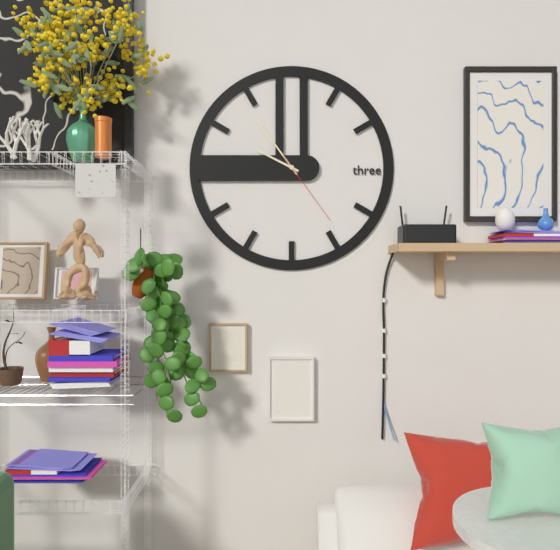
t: h=9 m=54 s=24
